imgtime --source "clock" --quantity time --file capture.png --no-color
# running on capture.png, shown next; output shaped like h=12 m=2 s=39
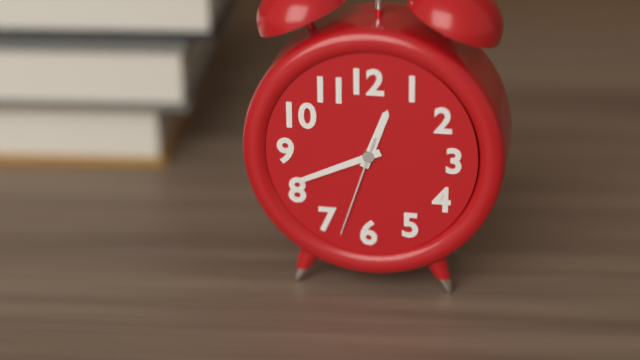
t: h=12 m=41 s=33
